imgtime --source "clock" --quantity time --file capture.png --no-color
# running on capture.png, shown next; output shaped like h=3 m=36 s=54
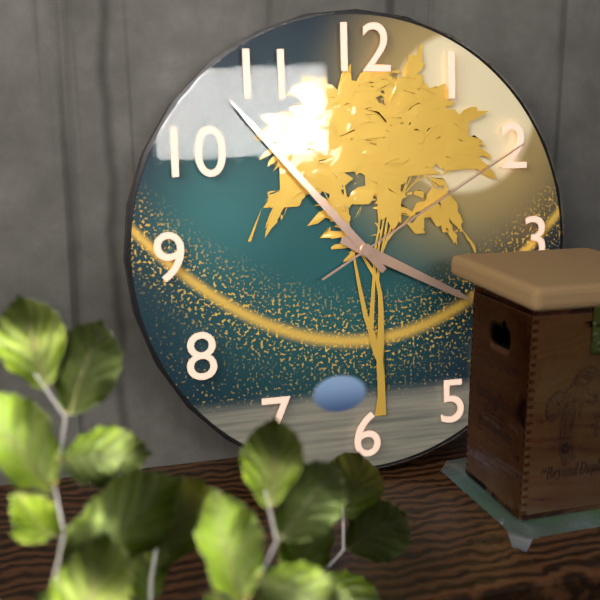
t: h=3 m=53 s=10
